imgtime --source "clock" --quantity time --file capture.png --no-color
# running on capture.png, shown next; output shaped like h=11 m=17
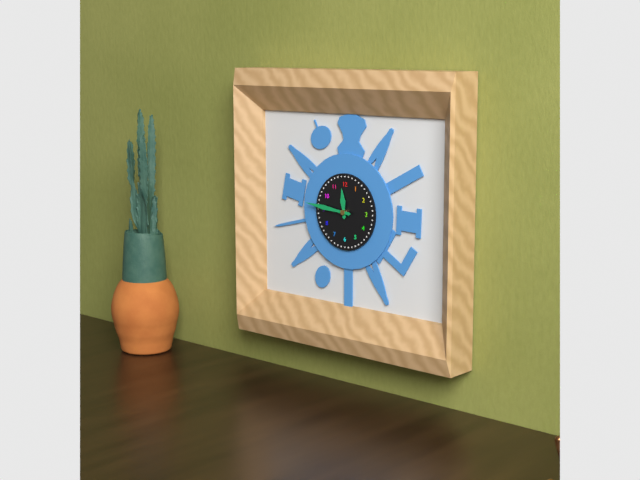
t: h=11 m=46
